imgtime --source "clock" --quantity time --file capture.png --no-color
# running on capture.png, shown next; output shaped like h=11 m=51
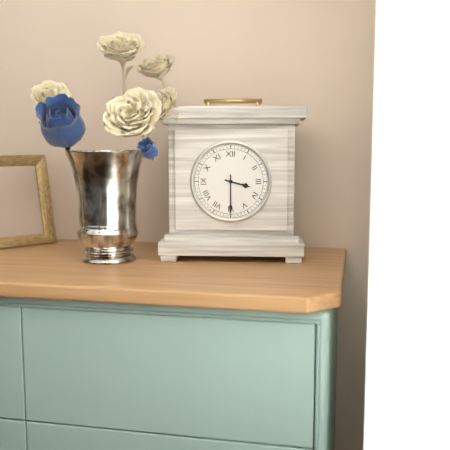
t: h=3 m=30
